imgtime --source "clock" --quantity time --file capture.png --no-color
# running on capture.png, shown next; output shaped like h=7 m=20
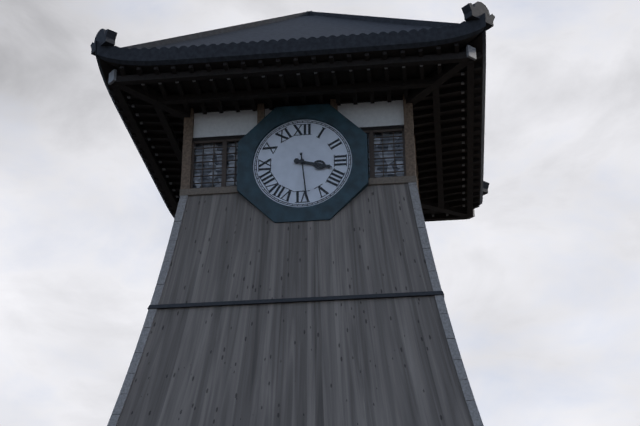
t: h=3 m=29
